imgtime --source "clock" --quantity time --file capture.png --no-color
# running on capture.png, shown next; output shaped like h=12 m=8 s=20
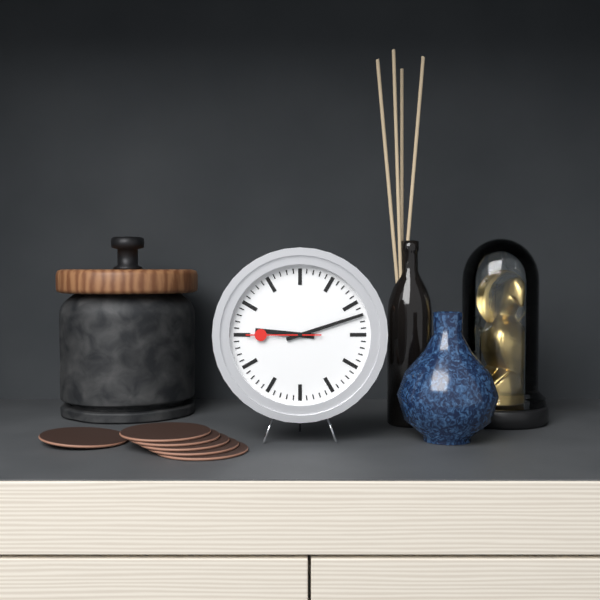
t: h=9 m=12 s=45
